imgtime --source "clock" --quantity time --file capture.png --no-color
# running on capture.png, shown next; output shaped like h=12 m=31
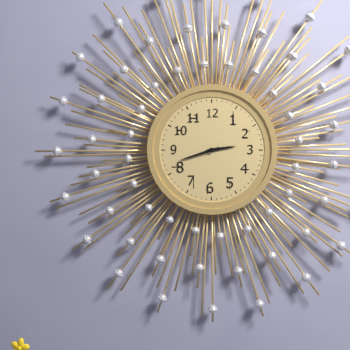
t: h=2 m=42
